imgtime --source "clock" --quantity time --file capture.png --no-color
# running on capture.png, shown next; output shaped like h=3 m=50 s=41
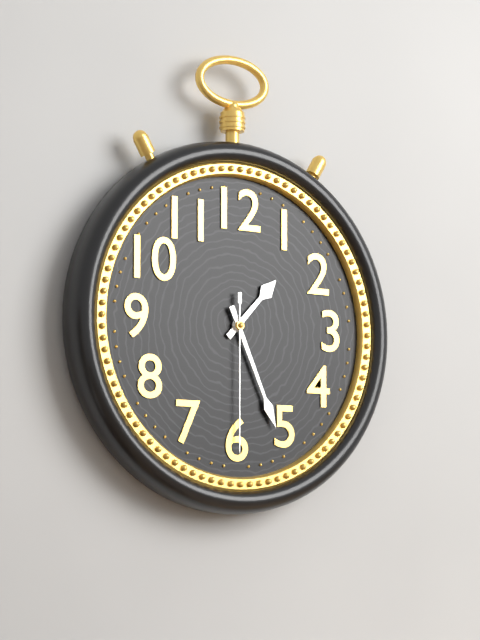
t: h=1 m=26 s=30
